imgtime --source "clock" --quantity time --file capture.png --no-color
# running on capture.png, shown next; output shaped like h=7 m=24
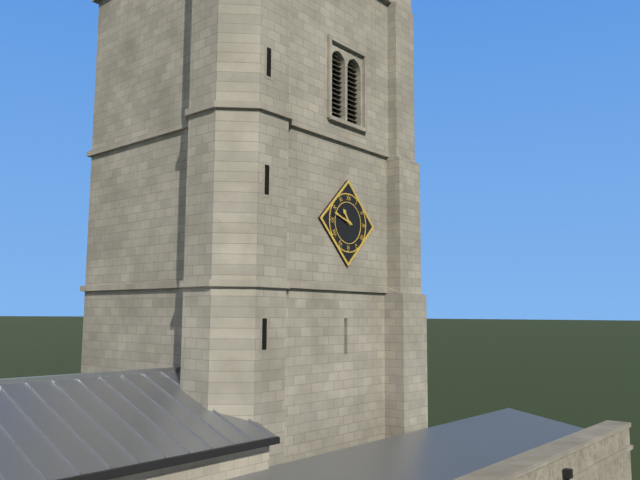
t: h=10 m=48
